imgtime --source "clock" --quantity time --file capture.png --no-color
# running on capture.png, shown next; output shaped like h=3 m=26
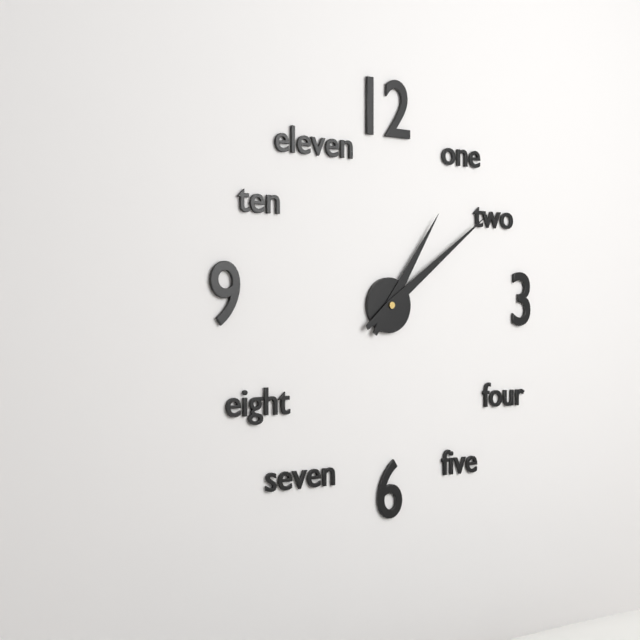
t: h=1 m=9
